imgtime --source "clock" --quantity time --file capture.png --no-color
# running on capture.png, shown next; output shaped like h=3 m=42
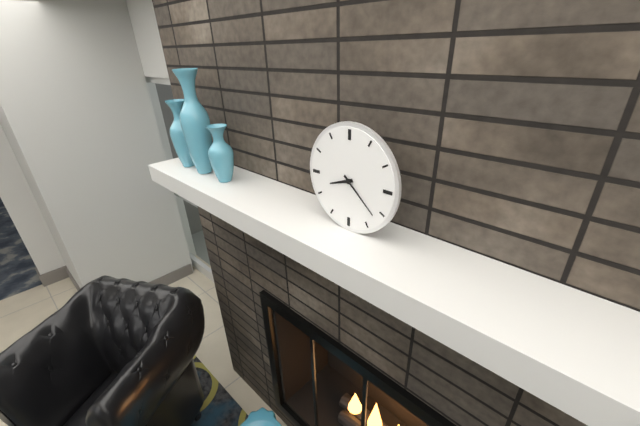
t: h=8 m=22
